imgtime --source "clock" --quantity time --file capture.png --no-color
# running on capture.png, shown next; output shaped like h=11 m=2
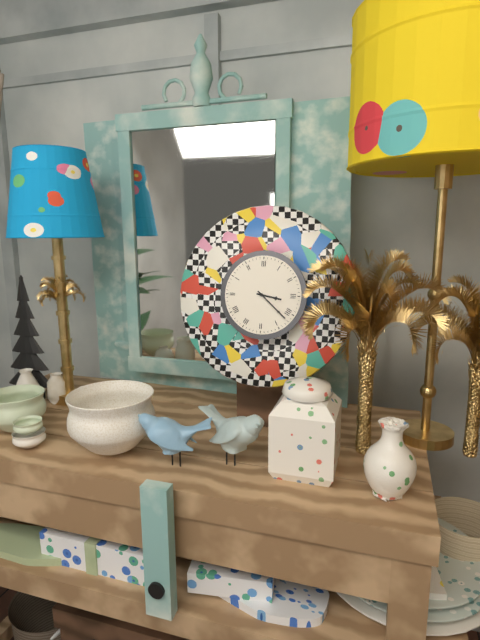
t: h=3 m=22
